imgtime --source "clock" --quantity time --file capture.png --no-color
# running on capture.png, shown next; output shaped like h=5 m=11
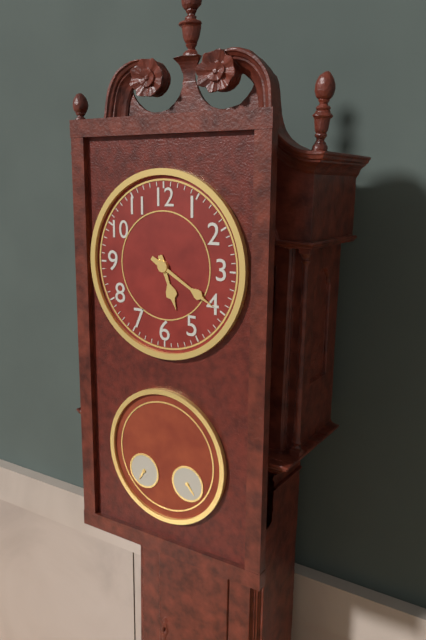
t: h=5 m=20
